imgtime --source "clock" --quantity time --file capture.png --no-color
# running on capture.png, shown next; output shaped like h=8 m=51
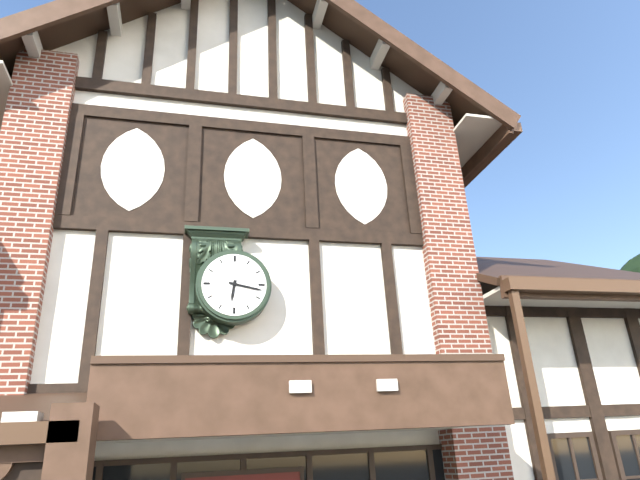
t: h=6 m=17
